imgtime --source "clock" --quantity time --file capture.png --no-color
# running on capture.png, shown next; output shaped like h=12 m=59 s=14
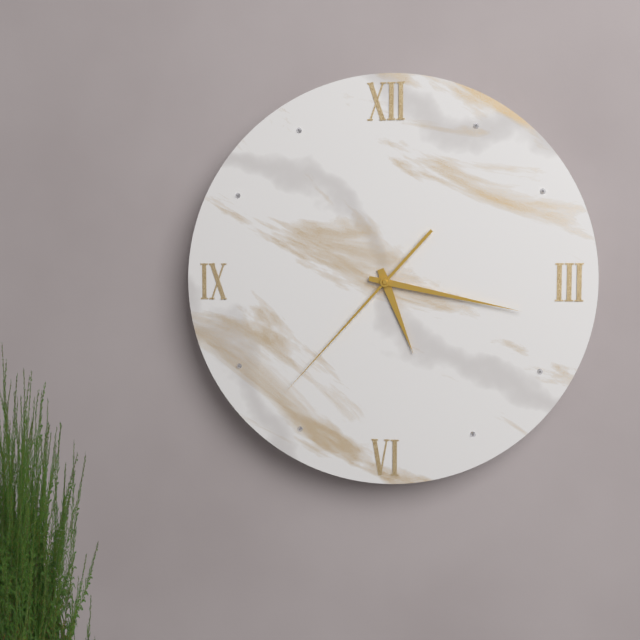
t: h=5 m=17 s=37
